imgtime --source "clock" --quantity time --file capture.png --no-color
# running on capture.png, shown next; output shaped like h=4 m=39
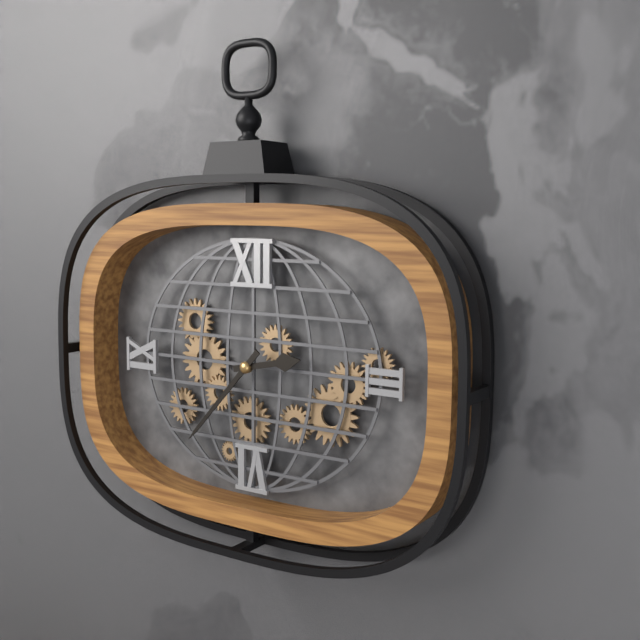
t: h=2 m=37
